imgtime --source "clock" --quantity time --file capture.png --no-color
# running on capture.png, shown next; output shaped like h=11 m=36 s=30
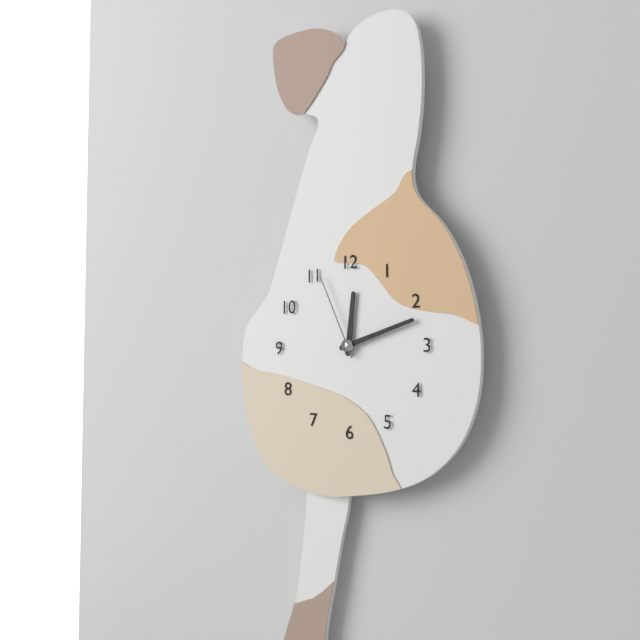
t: h=12 m=12 s=56
